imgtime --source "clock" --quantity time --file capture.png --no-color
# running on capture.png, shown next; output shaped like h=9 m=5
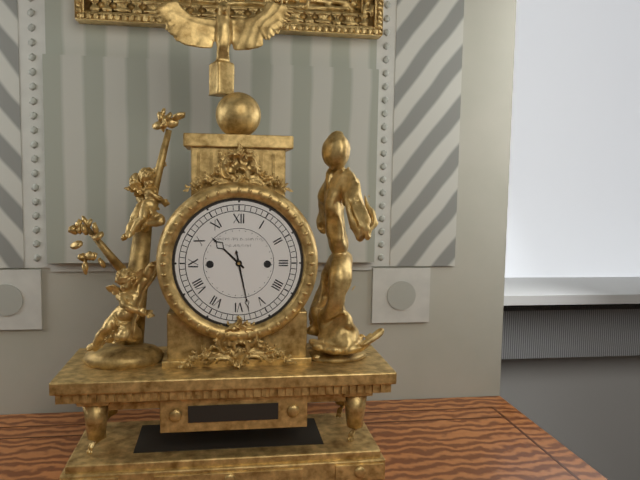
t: h=10 m=28
